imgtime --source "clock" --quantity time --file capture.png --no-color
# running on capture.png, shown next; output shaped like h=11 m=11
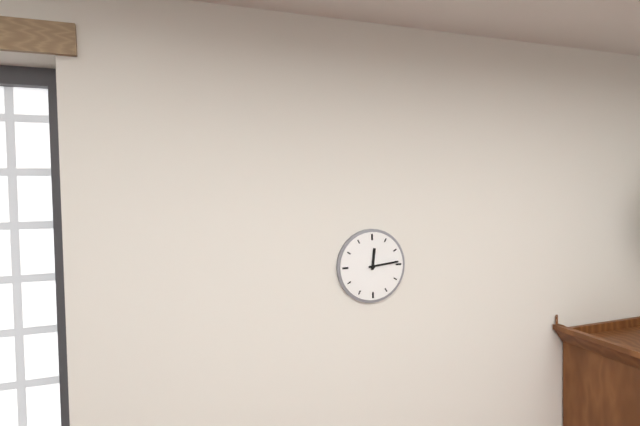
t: h=12 m=14
